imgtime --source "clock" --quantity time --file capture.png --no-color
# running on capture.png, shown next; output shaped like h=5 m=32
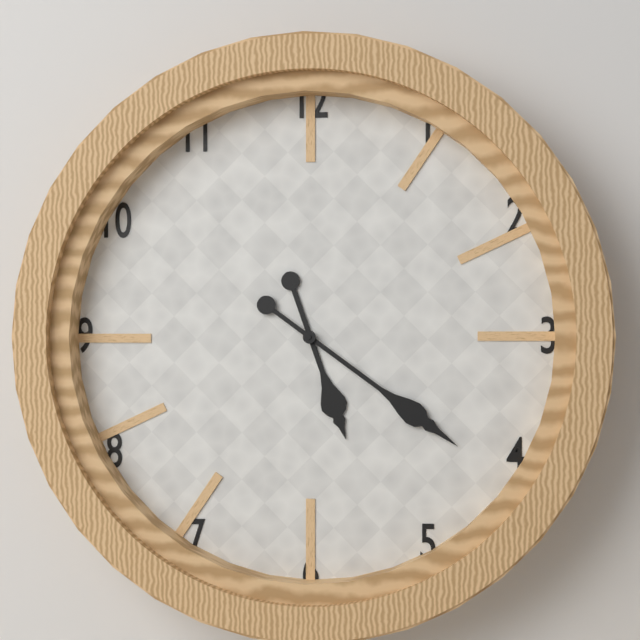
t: h=5 m=21
